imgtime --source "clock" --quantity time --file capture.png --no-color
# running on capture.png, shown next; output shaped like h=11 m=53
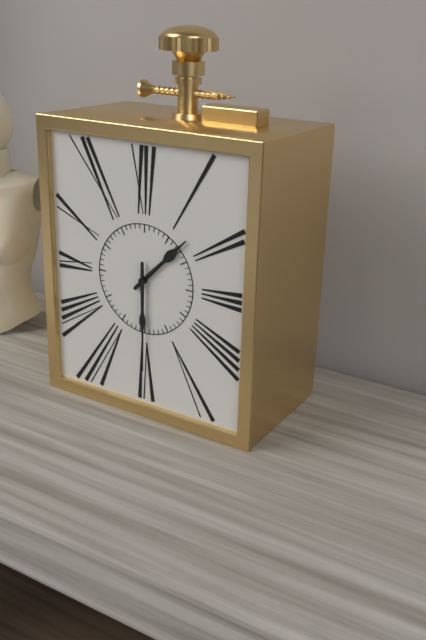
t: h=1 m=30
